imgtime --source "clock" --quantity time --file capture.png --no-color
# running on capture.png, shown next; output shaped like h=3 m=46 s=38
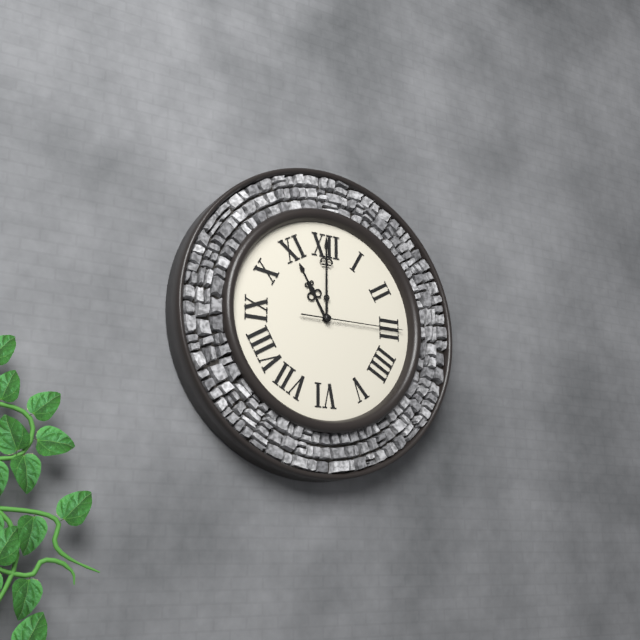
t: h=11 m=0 s=15
